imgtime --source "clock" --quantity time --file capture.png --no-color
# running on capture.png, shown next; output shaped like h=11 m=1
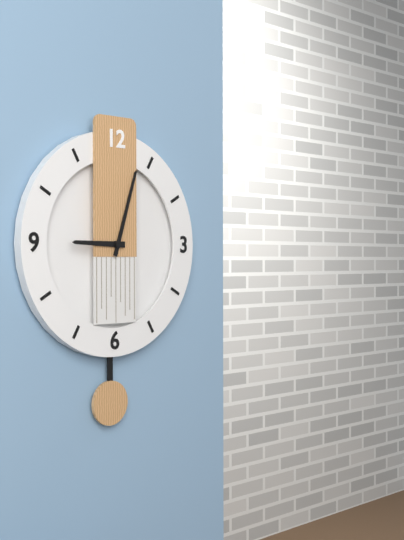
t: h=9 m=3
